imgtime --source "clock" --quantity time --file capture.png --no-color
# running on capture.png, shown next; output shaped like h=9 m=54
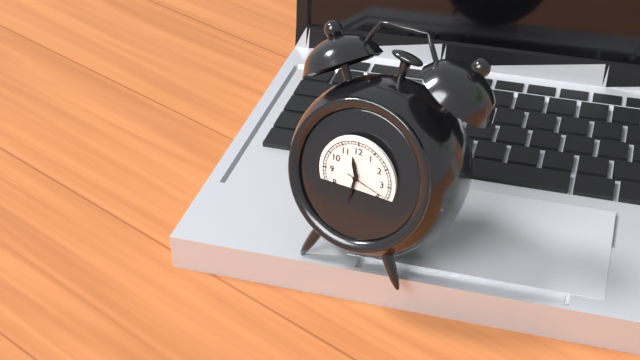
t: h=11 m=32
